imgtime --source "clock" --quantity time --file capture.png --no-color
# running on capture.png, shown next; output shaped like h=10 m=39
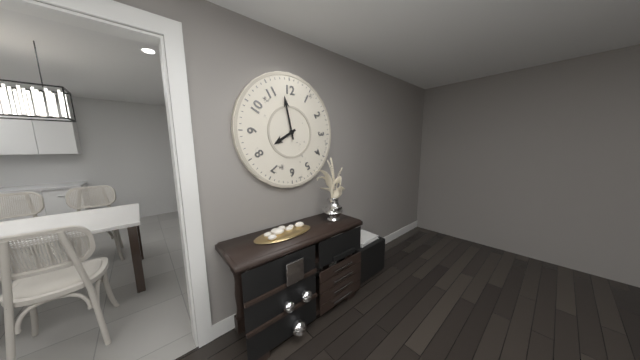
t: h=7 m=58
